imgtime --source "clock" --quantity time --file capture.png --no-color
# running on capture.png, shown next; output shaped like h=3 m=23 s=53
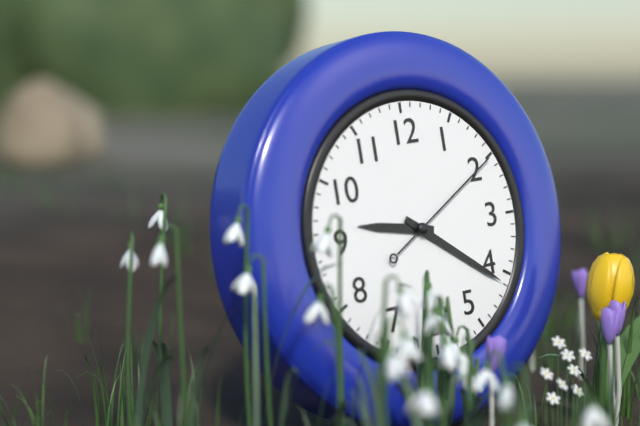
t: h=9 m=21 s=10
